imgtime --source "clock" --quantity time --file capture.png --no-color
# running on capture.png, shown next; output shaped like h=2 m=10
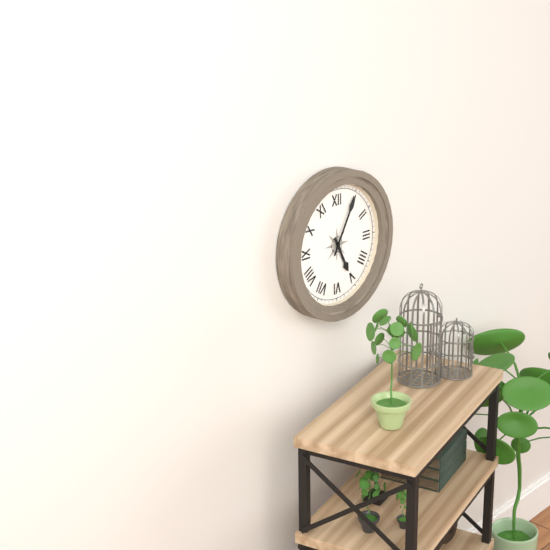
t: h=5 m=5
